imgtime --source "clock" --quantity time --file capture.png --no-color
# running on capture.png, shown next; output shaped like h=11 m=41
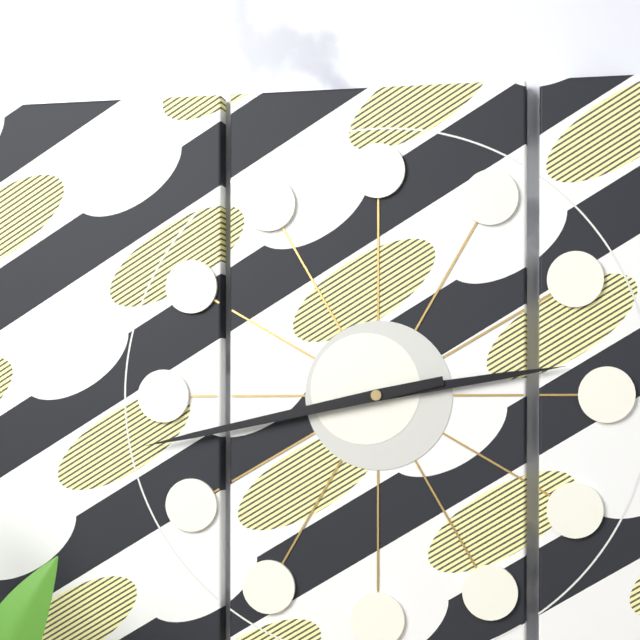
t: h=2 m=43
